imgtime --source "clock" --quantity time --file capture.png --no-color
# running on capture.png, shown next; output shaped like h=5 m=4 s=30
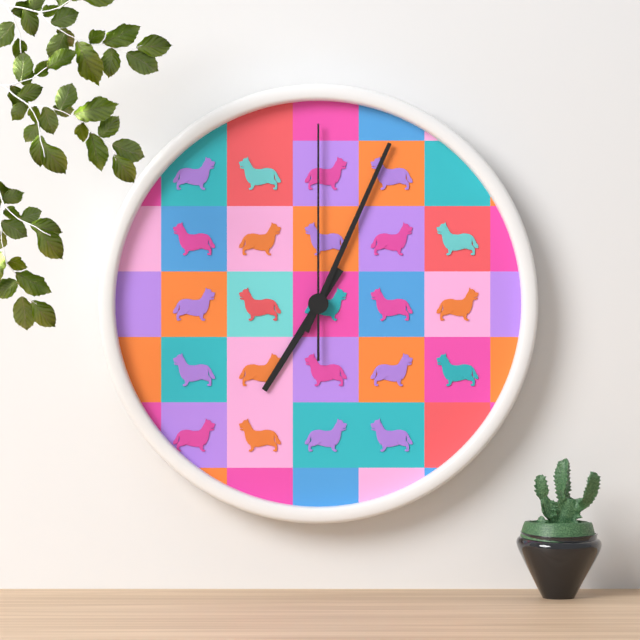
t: h=7 m=4 s=0
